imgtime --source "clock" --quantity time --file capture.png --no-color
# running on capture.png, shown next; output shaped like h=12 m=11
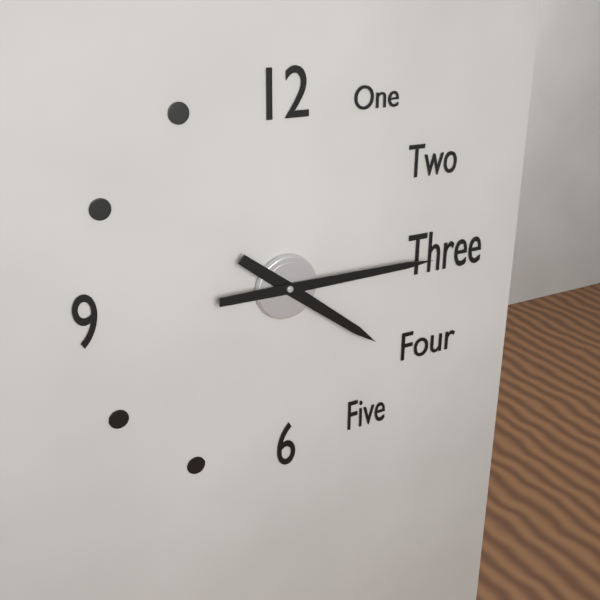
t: h=4 m=15
